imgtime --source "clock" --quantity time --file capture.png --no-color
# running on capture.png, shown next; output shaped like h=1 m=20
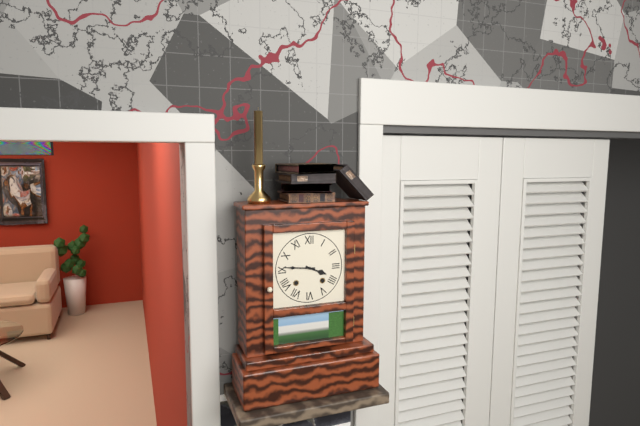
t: h=3 m=46
